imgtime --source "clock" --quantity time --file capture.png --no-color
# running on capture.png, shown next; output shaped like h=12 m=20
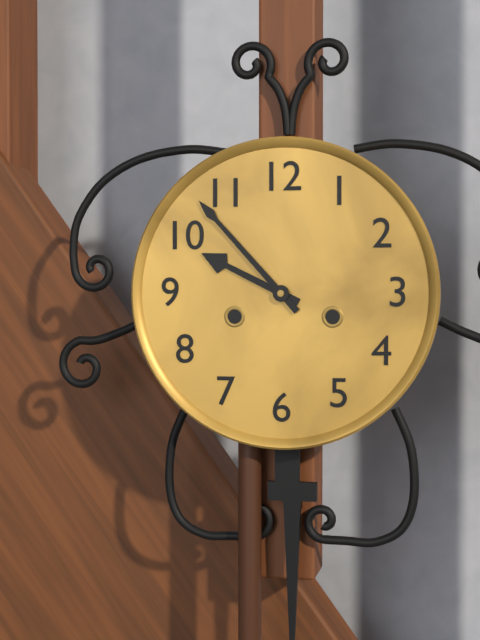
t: h=9 m=53
